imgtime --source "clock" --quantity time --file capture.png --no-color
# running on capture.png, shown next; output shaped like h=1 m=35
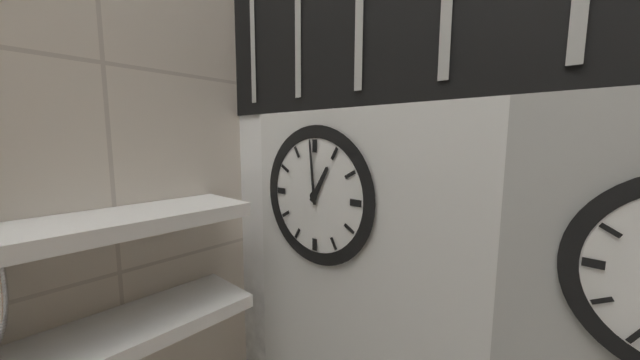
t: h=12 m=59
